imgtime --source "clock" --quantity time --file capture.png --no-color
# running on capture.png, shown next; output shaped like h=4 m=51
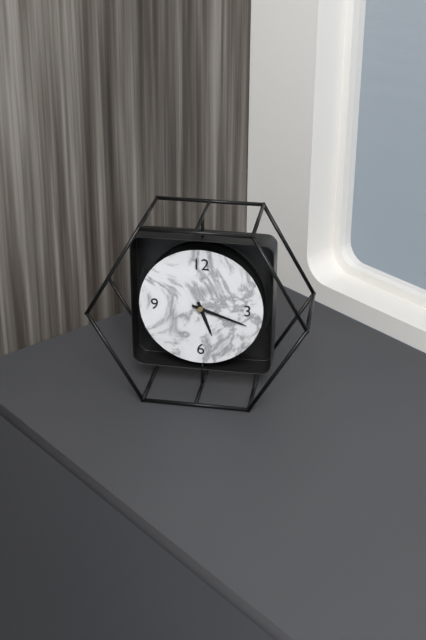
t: h=5 m=18
